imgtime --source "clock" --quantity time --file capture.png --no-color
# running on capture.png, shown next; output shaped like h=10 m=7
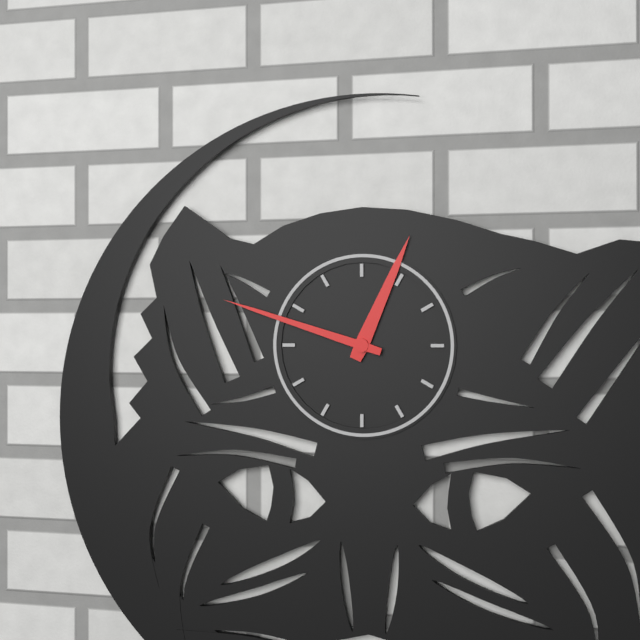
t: h=12 m=48
